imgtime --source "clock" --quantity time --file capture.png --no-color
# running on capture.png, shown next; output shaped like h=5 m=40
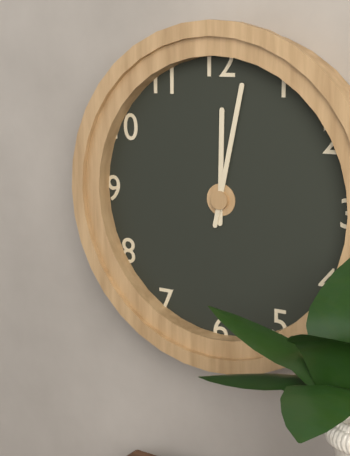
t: h=12 m=2
